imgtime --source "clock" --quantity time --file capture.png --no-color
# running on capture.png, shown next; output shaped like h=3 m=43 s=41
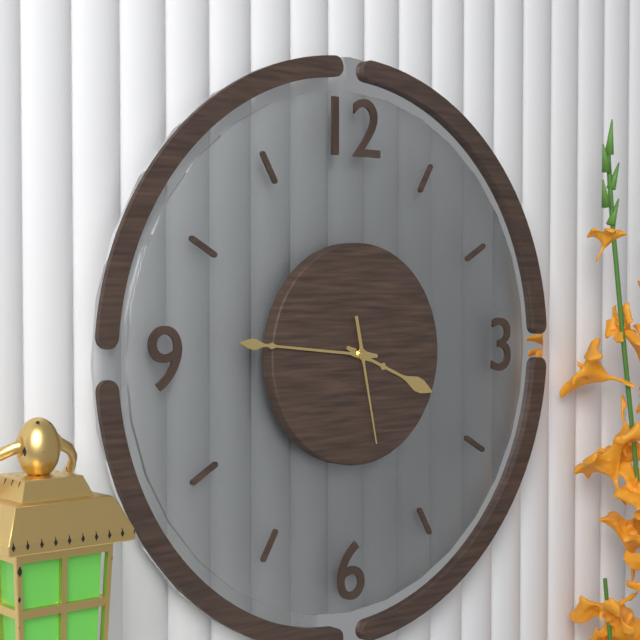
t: h=3 m=46 s=28
